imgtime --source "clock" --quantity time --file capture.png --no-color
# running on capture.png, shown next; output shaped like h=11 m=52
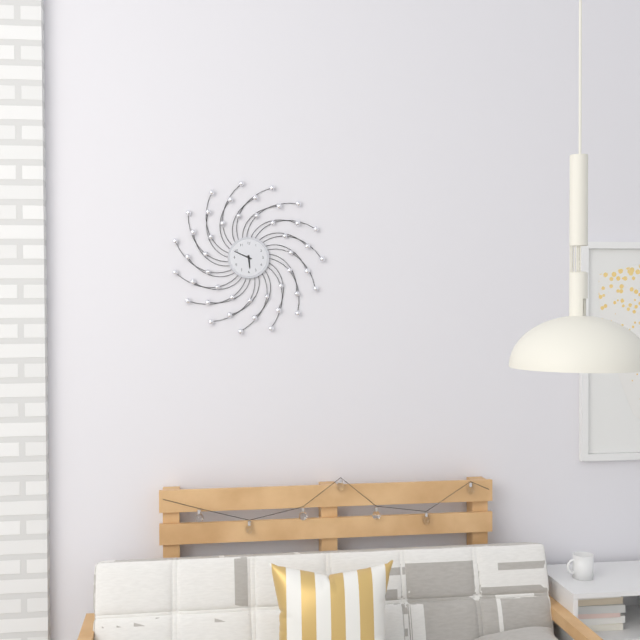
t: h=5 m=49
